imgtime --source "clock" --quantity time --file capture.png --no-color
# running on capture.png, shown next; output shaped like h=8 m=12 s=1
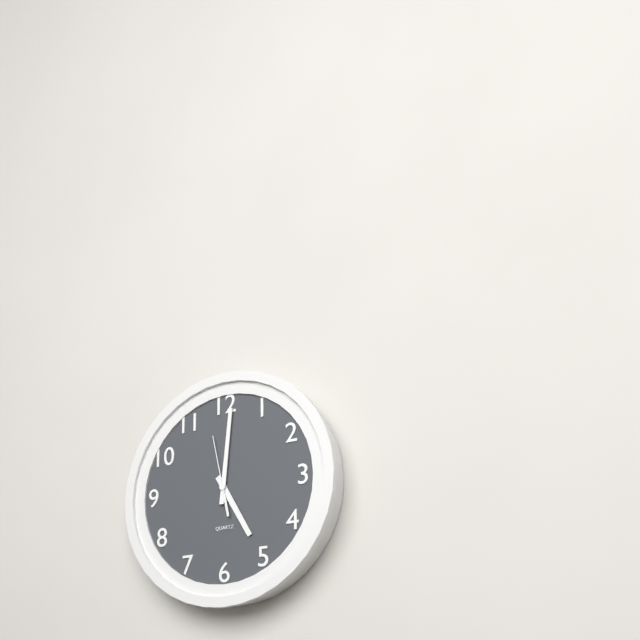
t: h=5 m=1 s=58
